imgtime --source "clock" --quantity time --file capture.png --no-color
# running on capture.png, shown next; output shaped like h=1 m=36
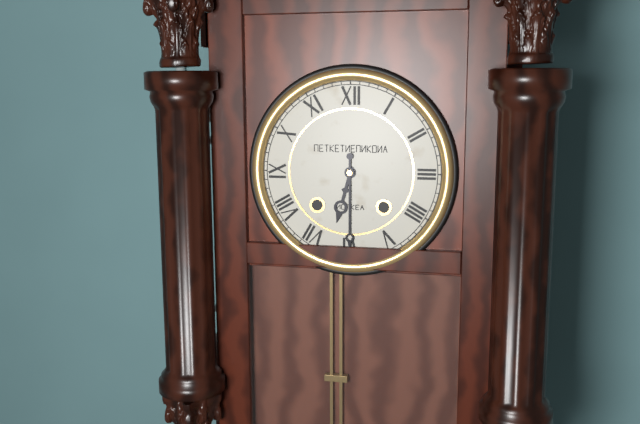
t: h=6 m=30
